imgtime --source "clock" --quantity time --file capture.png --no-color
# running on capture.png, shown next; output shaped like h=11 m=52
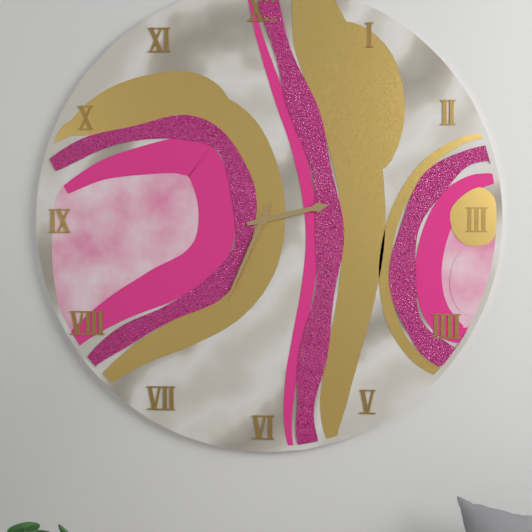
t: h=2 m=34
